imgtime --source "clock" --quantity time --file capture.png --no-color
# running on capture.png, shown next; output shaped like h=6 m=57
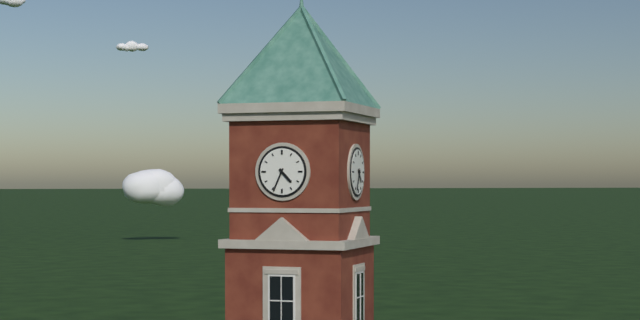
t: h=4 m=34
